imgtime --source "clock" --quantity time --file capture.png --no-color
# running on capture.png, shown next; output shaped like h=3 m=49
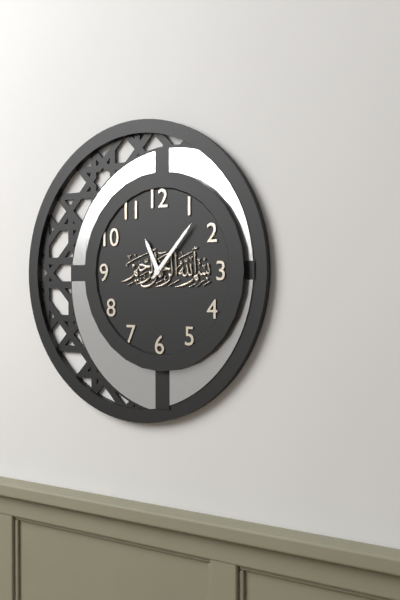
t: h=11 m=7
